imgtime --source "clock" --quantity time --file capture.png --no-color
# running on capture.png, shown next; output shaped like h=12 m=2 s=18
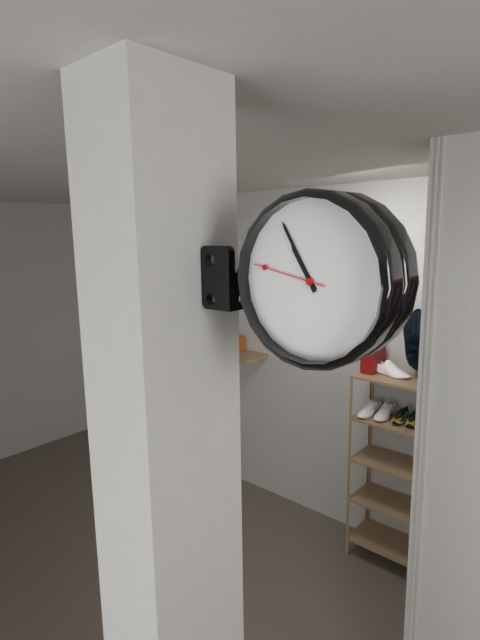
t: h=10 m=55 s=47
